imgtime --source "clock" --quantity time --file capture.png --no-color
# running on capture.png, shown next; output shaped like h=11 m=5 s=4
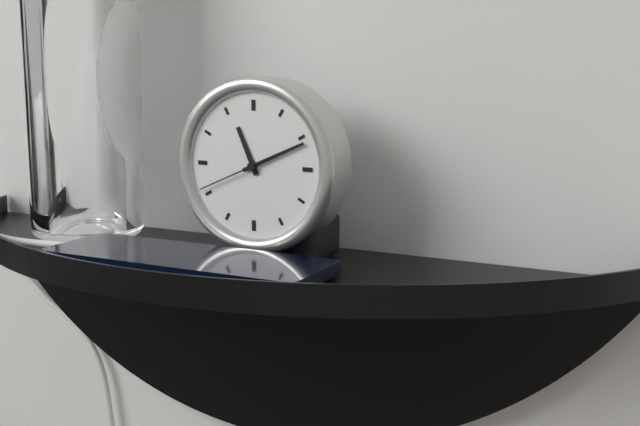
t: h=11 m=11 s=41
